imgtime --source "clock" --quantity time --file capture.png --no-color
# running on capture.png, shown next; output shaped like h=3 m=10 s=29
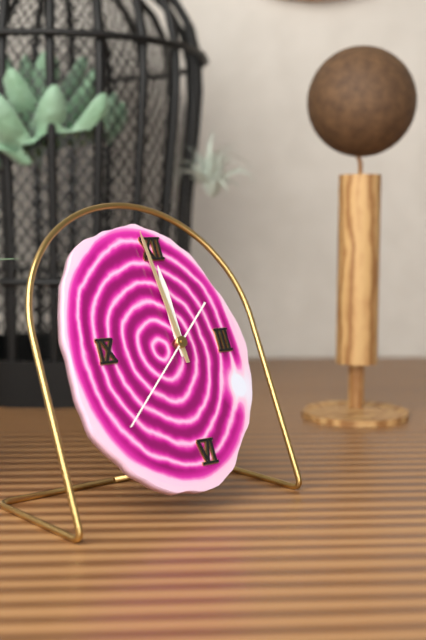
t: h=11 m=59 s=38
